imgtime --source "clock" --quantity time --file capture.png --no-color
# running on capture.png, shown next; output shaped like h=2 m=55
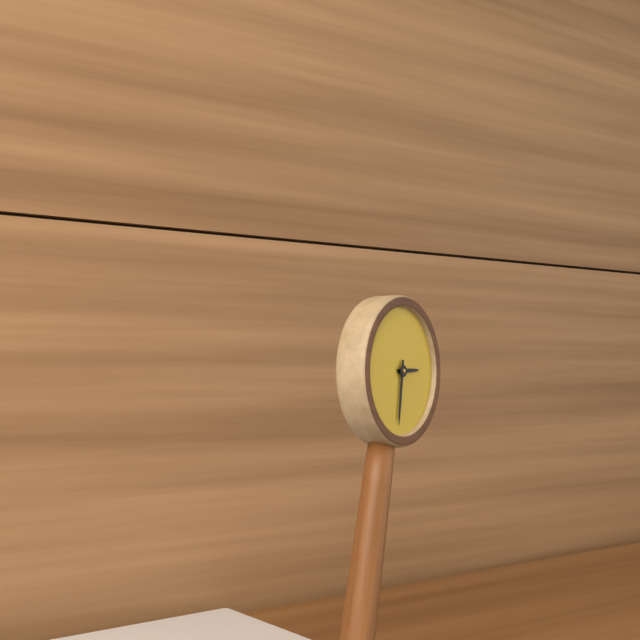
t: h=2 m=29
